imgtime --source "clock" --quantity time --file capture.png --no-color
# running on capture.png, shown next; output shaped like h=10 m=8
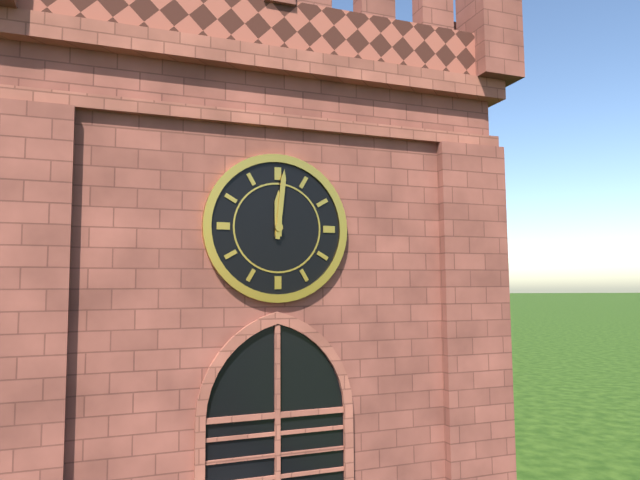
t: h=12 m=1
